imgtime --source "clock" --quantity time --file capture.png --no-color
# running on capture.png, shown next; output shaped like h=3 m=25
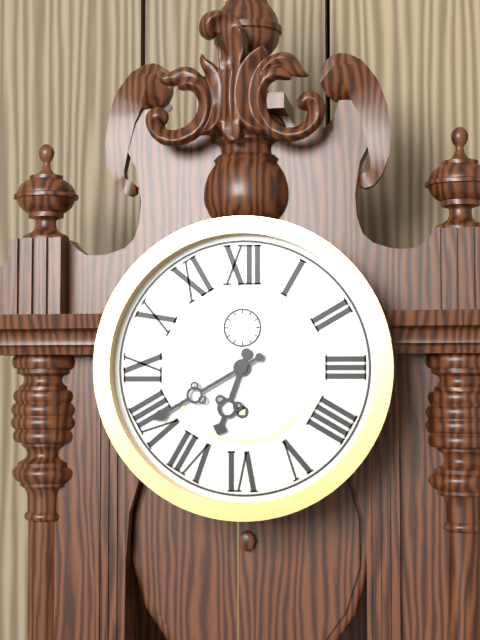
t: h=6 m=40
